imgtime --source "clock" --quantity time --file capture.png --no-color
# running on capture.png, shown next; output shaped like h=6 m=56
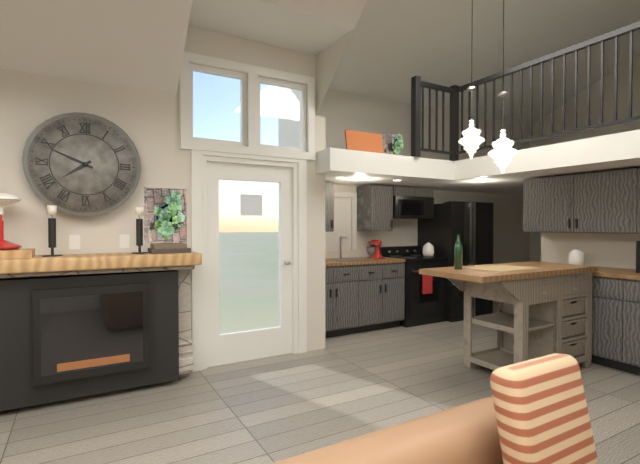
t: h=7 m=49
